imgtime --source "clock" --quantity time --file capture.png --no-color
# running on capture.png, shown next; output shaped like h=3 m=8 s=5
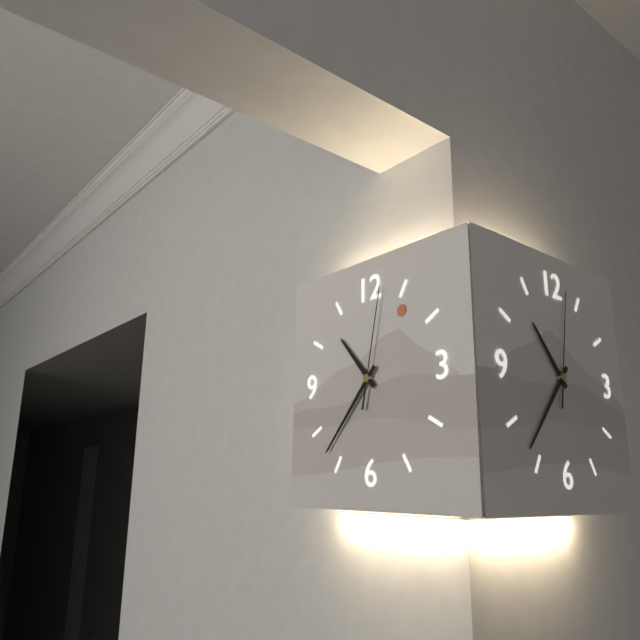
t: h=10 m=37 s=2
